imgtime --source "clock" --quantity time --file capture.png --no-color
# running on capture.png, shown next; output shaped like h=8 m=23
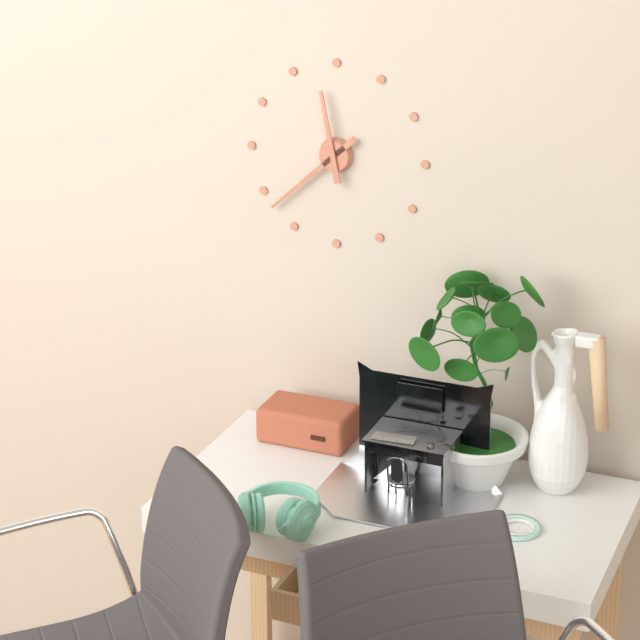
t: h=11 m=38
